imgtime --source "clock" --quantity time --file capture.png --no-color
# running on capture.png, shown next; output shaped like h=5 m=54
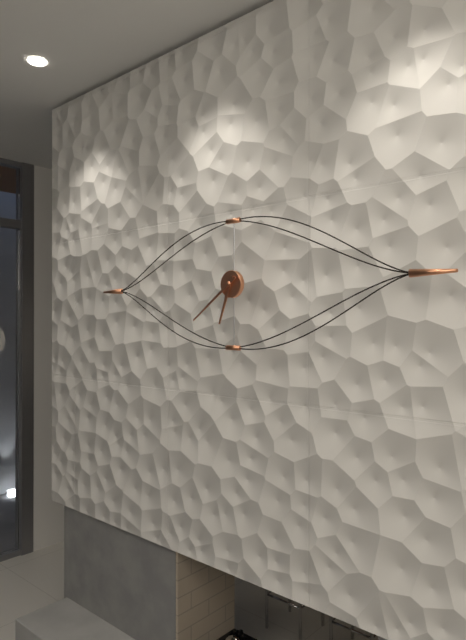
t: h=6 m=39
